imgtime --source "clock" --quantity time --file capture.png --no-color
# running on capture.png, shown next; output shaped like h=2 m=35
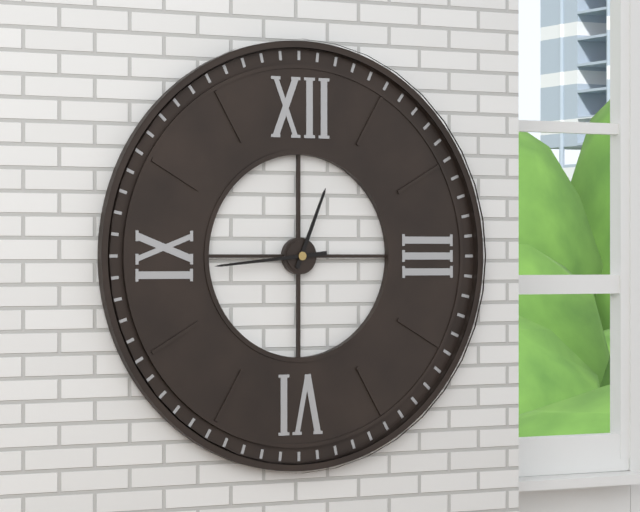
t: h=12 m=44
